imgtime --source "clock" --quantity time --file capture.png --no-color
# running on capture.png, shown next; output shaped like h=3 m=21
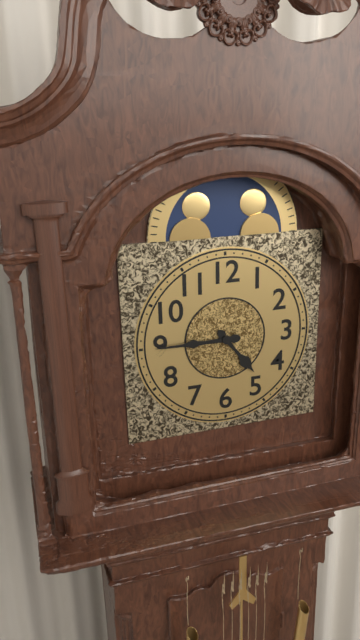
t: h=4 m=45
